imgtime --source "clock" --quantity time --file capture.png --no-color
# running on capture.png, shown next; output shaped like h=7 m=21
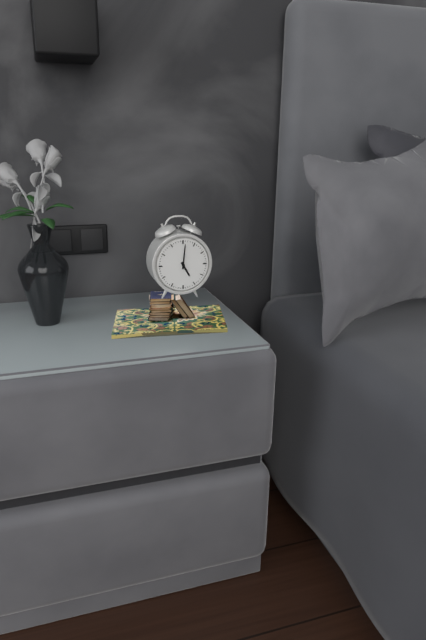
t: h=5 m=1
